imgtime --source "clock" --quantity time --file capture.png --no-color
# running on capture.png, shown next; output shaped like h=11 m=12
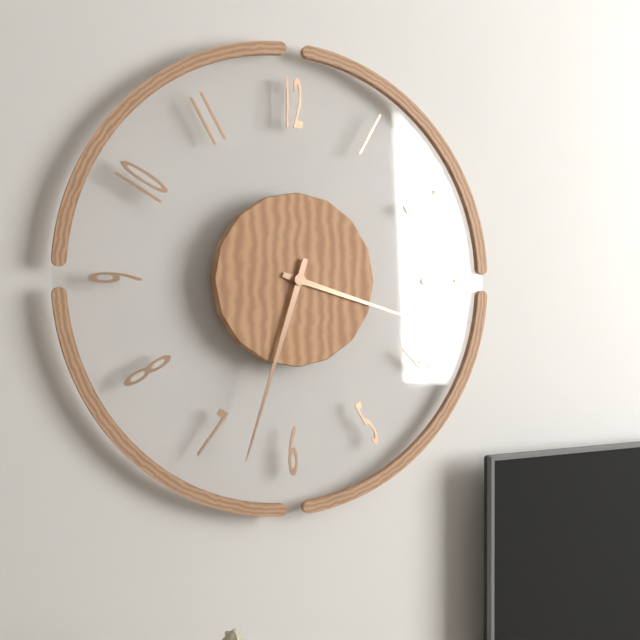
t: h=3 m=33
